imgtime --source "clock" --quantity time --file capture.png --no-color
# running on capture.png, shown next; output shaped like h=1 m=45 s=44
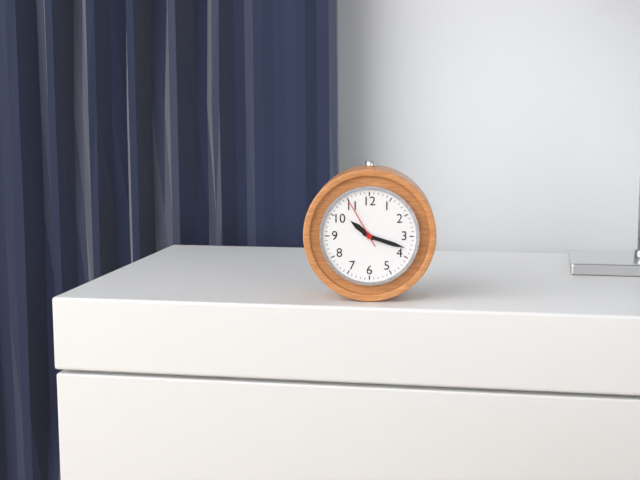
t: h=10 m=18 s=55
